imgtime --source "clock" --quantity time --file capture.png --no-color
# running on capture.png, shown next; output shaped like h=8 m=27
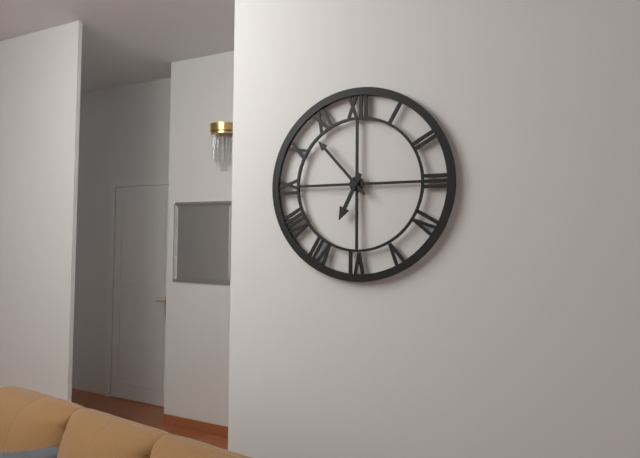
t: h=6 m=53
